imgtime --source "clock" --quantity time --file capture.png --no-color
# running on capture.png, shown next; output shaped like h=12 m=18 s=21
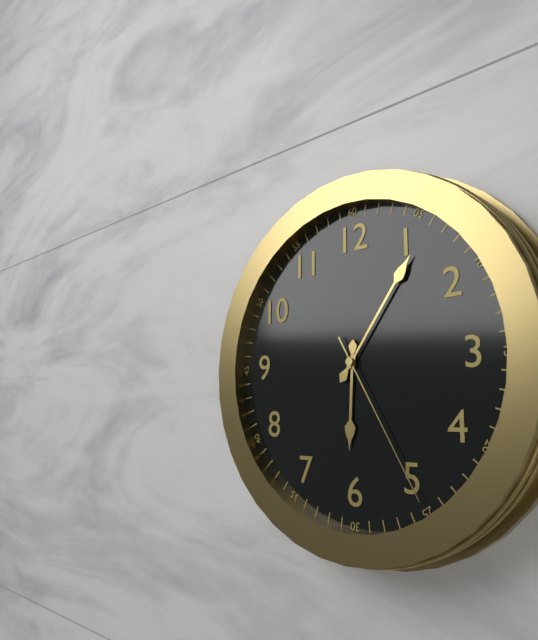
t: h=6 m=6 s=25
